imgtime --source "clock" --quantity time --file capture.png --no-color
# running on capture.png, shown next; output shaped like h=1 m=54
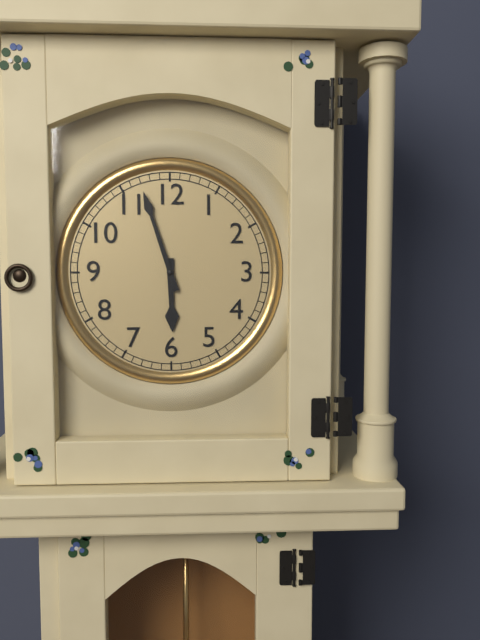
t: h=5 m=57
